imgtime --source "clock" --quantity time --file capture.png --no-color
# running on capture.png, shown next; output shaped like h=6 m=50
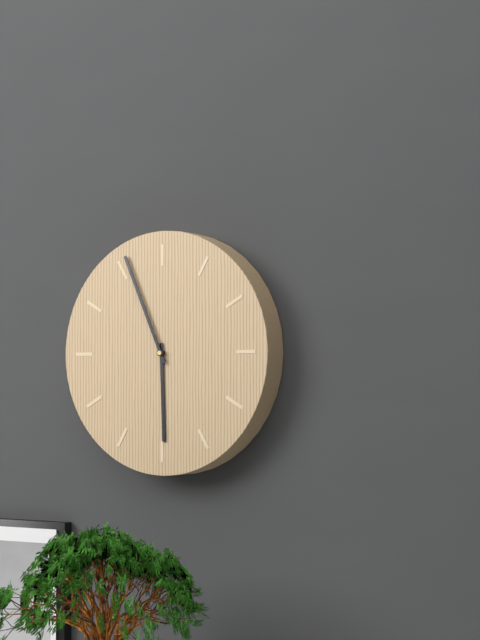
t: h=5 m=56
